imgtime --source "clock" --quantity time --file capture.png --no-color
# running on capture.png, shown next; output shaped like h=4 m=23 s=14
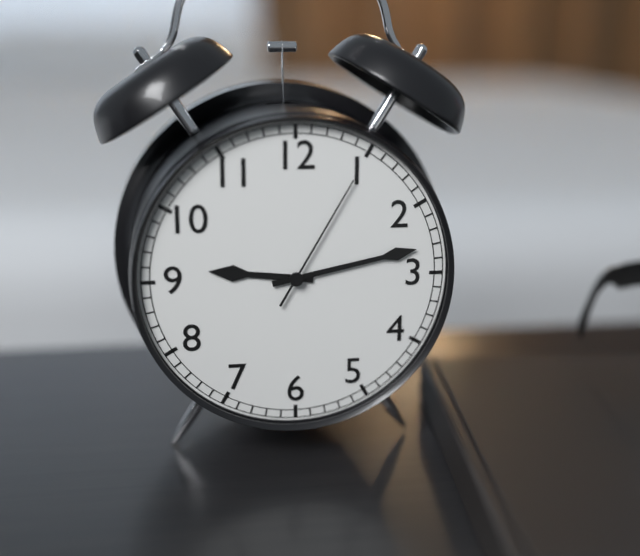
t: h=9 m=13 s=5
